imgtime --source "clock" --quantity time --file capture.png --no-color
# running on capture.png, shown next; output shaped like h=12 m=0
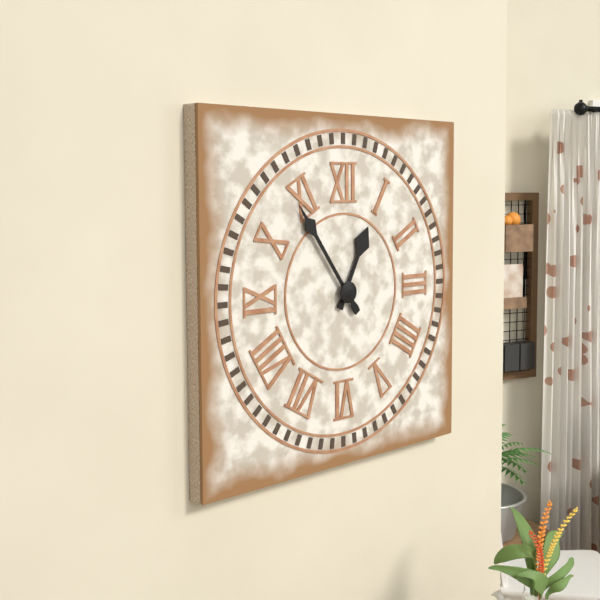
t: h=12 m=54
